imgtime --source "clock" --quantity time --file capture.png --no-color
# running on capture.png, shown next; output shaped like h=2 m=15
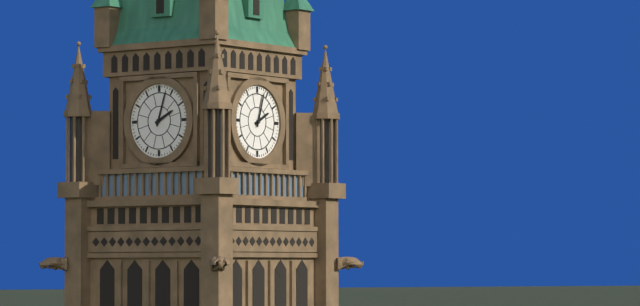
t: h=2 m=3
